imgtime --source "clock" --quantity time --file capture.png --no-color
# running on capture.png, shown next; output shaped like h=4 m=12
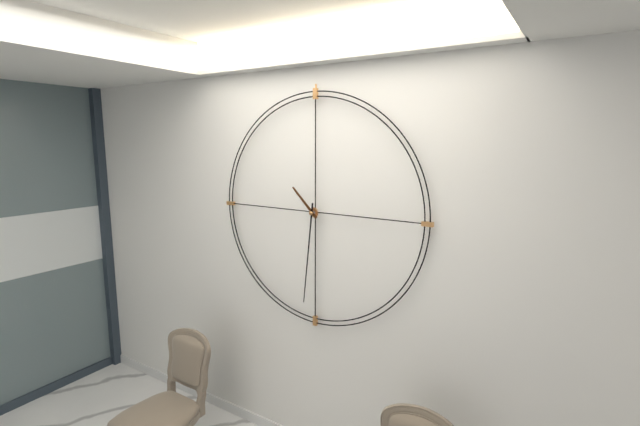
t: h=10 m=31
